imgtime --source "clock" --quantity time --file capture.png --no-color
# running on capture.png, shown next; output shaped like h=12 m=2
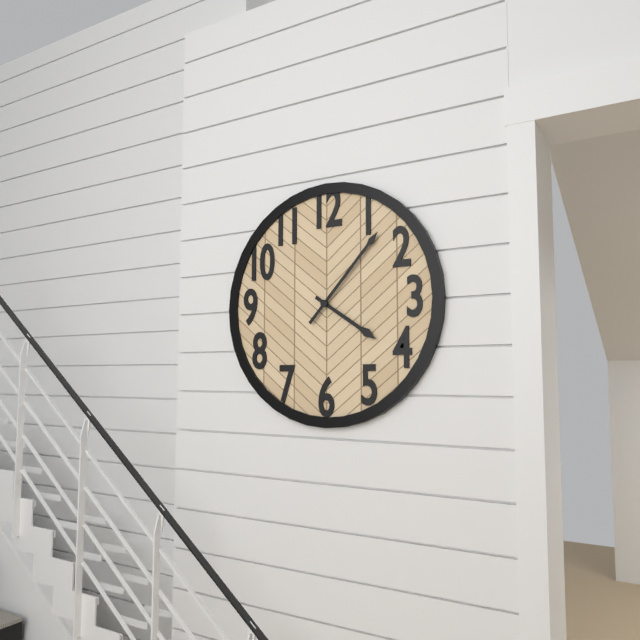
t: h=4 m=7
